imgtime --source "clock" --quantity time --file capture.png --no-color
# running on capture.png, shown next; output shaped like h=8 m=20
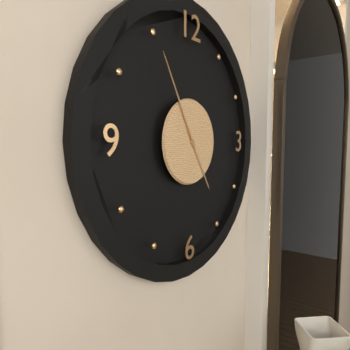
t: h=4 m=55
